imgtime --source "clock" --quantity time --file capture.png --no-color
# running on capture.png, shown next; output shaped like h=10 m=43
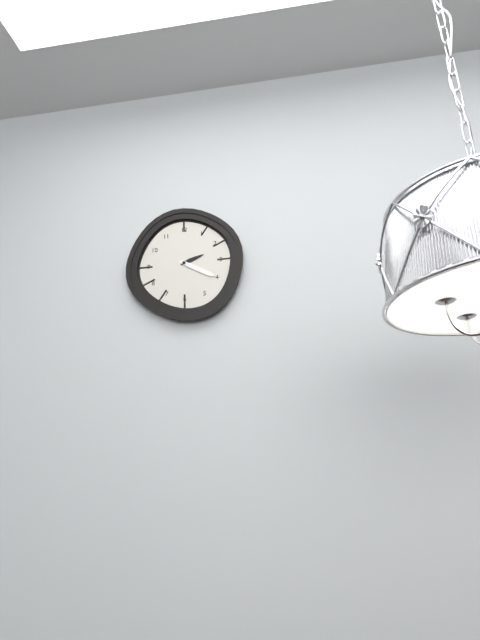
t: h=2 m=20
